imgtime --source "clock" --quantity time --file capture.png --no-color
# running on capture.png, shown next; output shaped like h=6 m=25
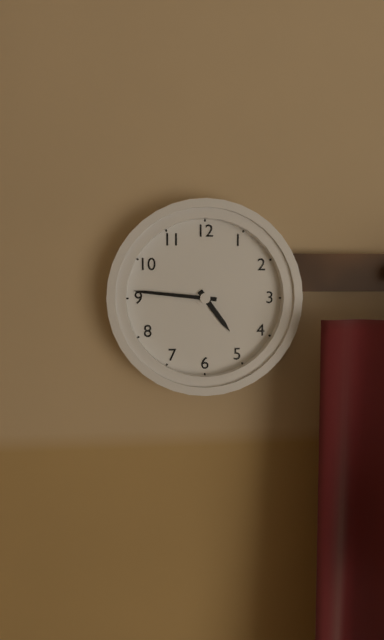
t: h=4 m=46
